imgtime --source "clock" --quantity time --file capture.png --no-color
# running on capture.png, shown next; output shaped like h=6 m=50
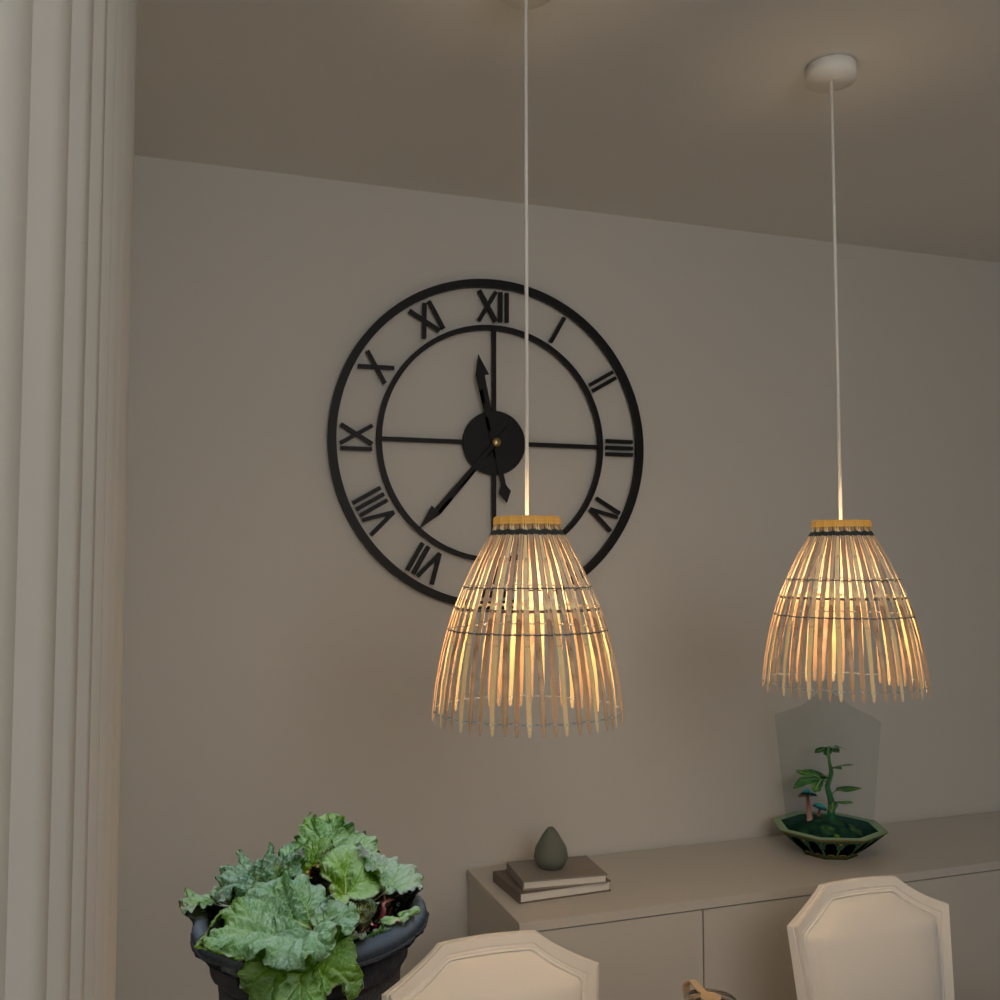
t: h=11 m=37
